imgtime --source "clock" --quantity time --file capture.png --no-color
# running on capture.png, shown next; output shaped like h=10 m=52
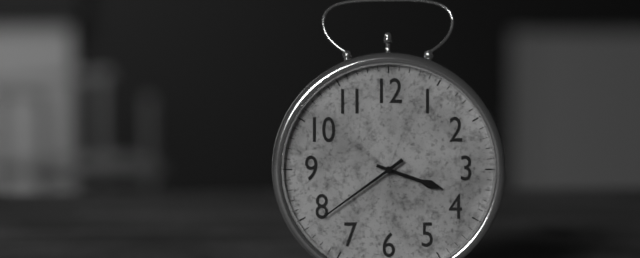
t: h=3 m=39
